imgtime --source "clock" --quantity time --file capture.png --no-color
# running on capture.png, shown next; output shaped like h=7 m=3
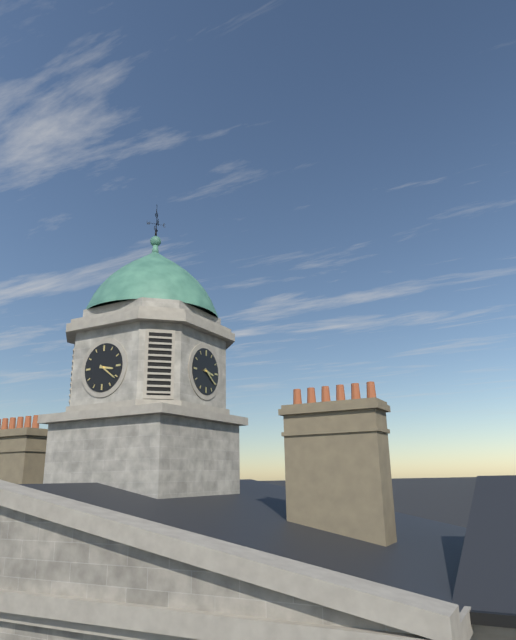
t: h=3 m=21
